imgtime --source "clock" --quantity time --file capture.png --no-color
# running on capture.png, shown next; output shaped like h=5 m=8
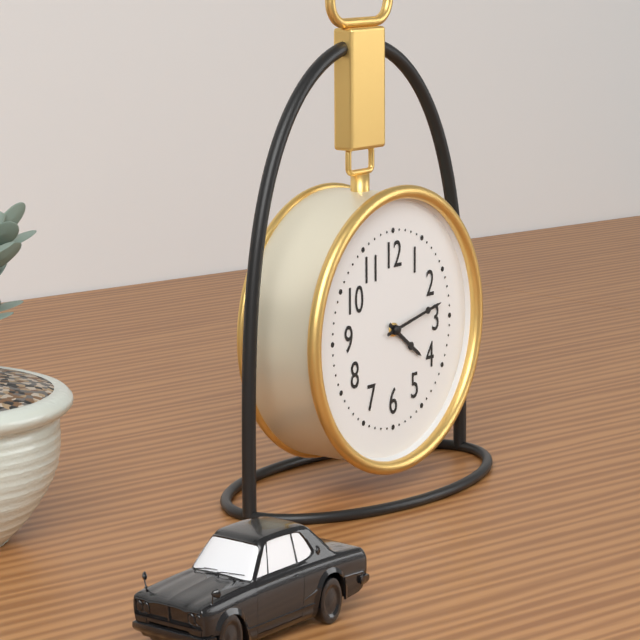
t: h=4 m=13
